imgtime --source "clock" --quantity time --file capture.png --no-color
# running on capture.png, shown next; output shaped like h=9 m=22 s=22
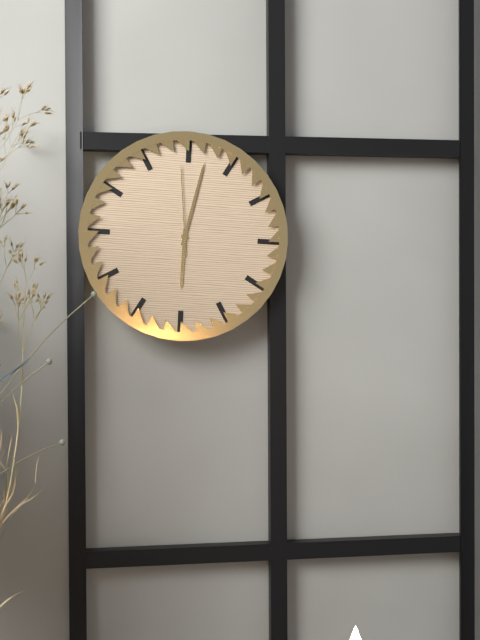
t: h=6 m=2 s=59
